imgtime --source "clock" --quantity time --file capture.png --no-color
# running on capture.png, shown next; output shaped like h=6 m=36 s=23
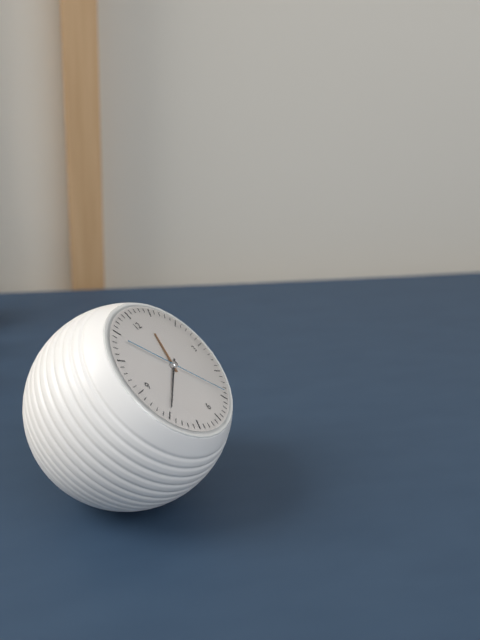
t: h=12 m=40 s=24
